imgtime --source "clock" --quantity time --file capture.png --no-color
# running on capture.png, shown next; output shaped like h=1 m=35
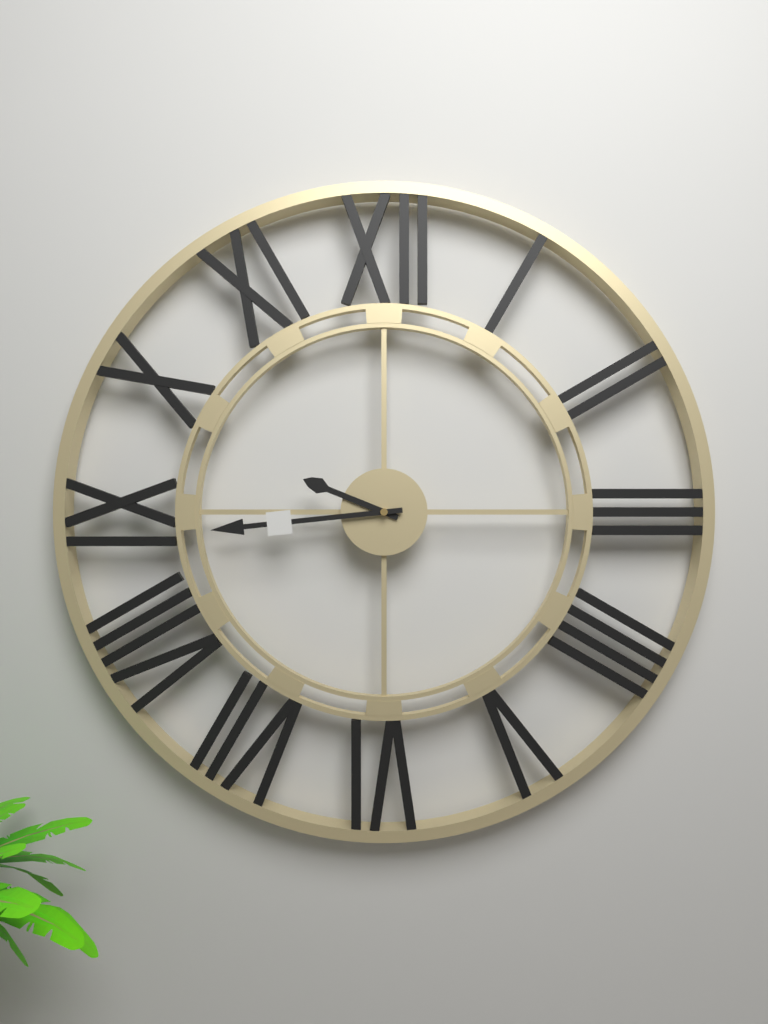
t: h=9 m=44
